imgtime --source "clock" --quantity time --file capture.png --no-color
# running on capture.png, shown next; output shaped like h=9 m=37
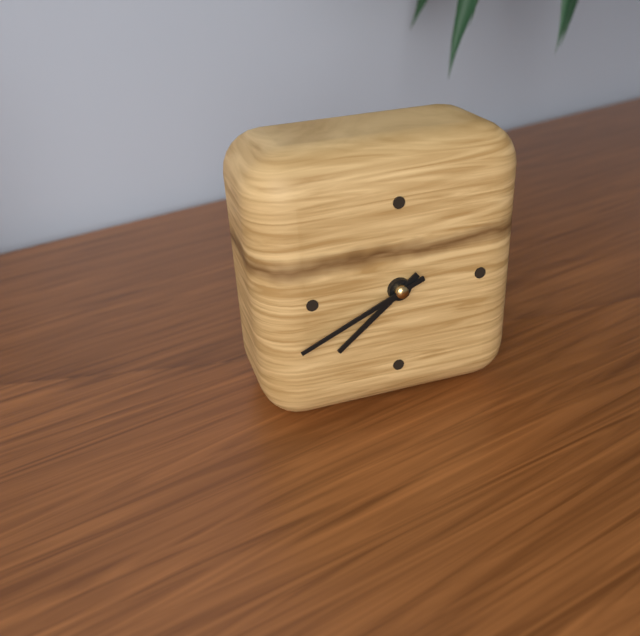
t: h=7 m=41
